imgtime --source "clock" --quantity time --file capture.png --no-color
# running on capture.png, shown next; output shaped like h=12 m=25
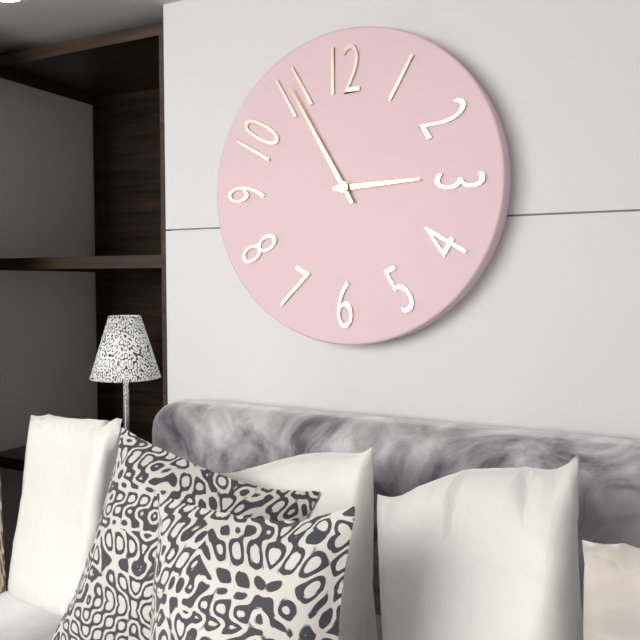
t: h=2 m=55
